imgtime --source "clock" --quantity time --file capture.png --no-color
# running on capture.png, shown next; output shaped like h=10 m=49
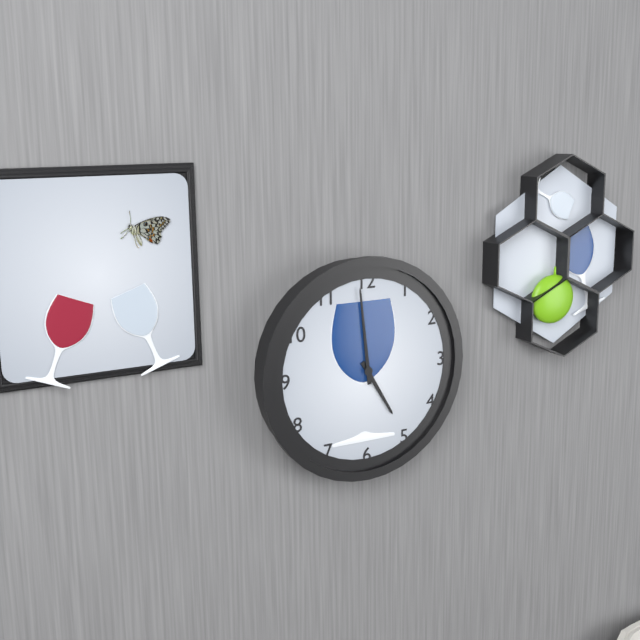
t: h=4 m=59
